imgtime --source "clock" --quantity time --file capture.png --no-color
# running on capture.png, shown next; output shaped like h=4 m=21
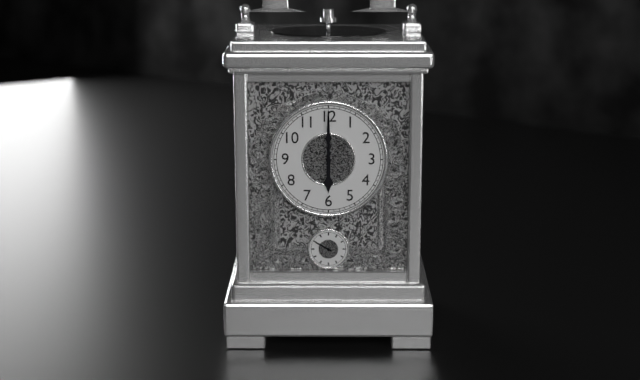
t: h=6 m=0
